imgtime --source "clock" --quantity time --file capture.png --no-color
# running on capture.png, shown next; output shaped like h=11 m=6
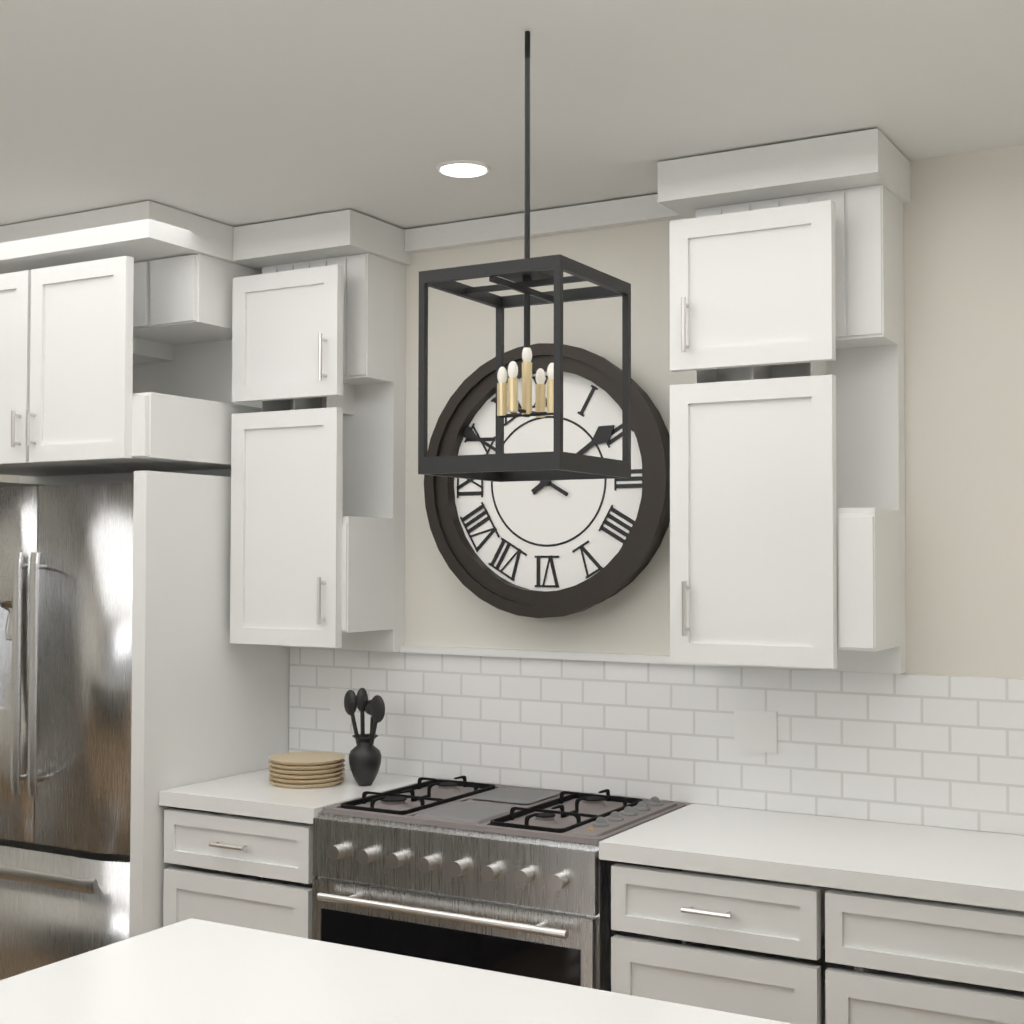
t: h=1 m=50
